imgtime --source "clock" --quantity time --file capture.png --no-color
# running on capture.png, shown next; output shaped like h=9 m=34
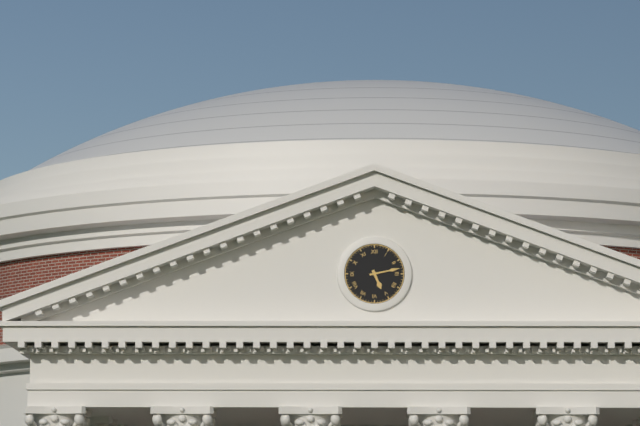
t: h=5 m=13
